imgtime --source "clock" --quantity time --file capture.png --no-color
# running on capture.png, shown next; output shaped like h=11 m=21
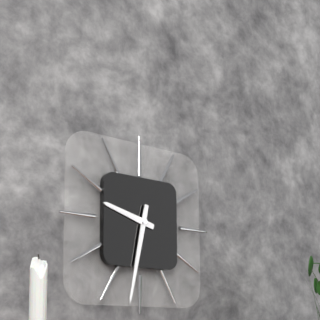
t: h=9 m=32
